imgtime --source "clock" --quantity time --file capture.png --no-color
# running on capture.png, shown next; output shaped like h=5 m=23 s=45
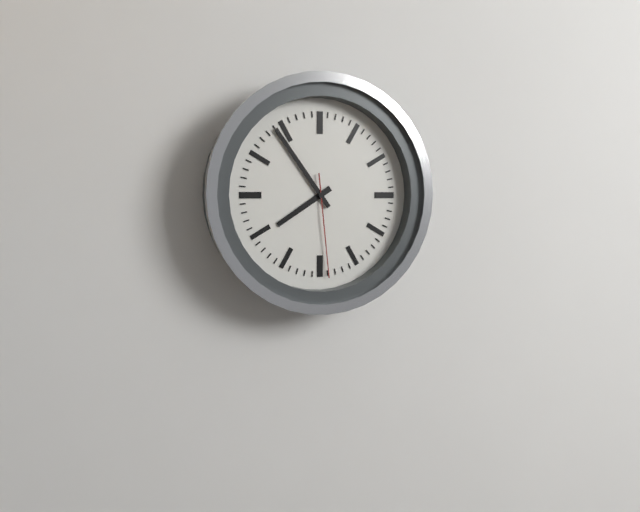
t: h=7 m=54 s=29
